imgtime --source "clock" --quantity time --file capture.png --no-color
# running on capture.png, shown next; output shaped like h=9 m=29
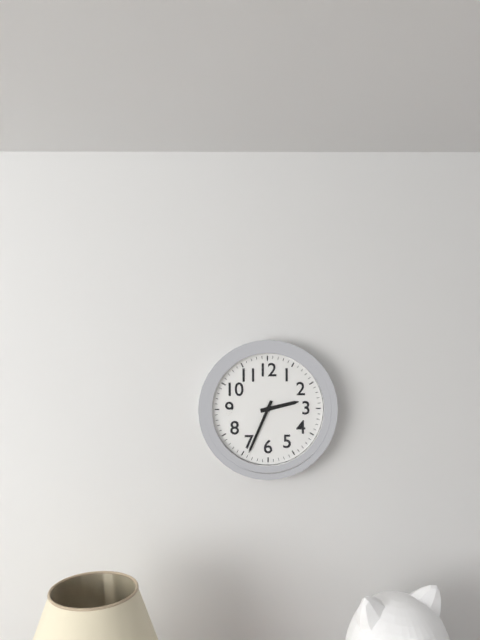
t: h=2 m=34
